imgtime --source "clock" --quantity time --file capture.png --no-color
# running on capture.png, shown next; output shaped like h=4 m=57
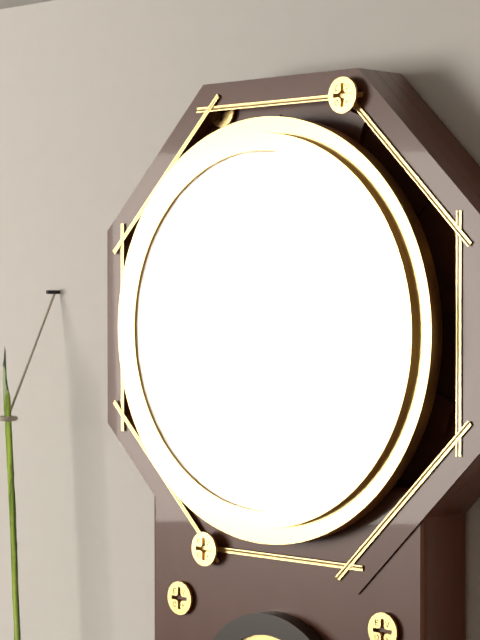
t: h=9 m=52
